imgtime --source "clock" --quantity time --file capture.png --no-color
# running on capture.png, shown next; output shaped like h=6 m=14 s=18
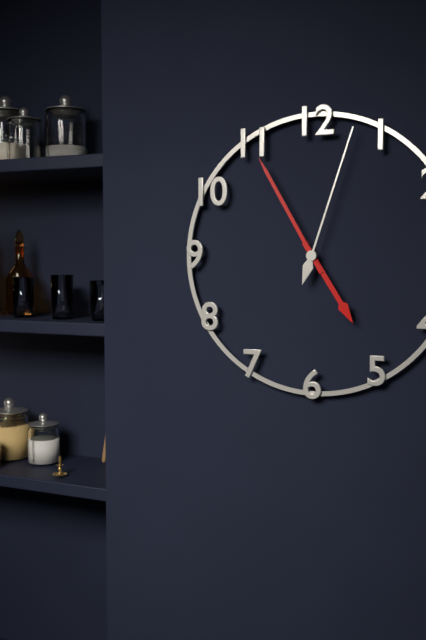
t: h=4 m=55 s=3
